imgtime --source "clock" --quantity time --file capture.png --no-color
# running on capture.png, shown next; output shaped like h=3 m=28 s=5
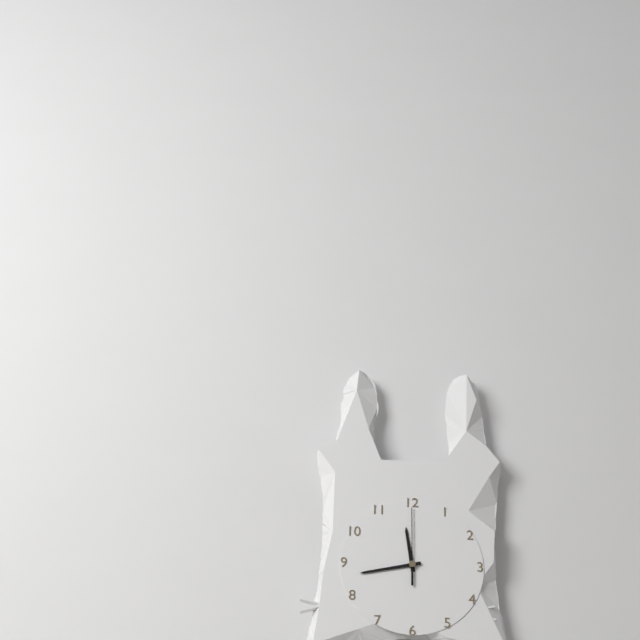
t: h=11 m=43 s=0
